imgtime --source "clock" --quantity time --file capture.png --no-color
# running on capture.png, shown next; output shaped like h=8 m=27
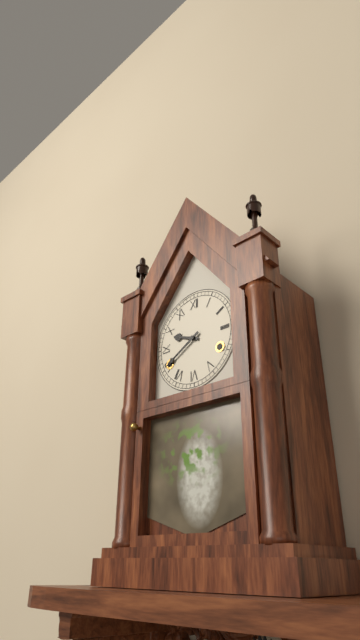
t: h=9 m=40
